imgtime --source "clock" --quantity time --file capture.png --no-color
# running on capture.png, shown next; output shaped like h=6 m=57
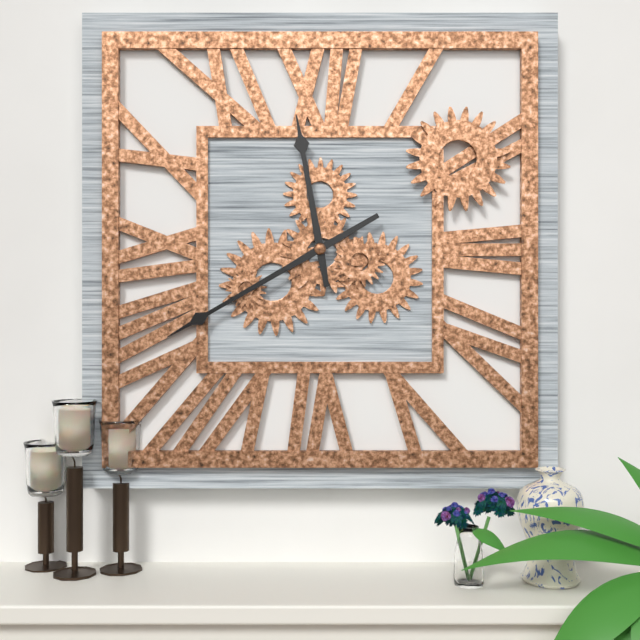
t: h=11 m=40
